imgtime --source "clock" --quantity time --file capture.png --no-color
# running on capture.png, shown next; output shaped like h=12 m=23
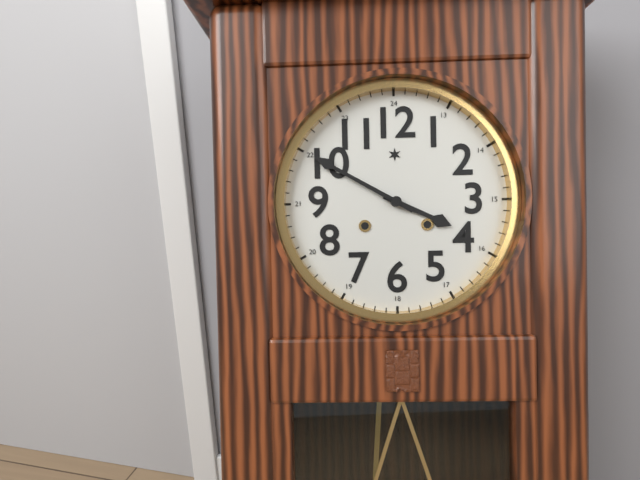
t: h=3 m=50
